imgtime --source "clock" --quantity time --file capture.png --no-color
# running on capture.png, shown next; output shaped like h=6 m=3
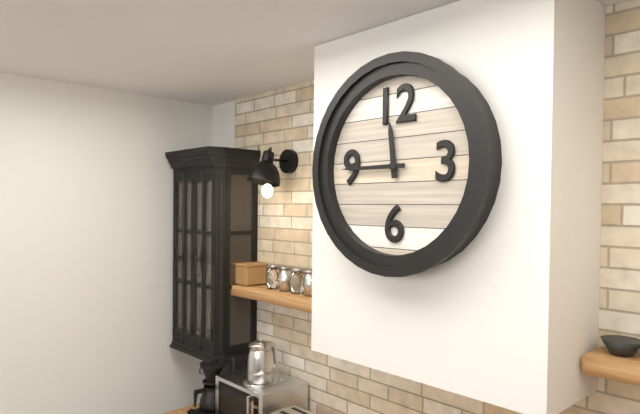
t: h=11 m=45
